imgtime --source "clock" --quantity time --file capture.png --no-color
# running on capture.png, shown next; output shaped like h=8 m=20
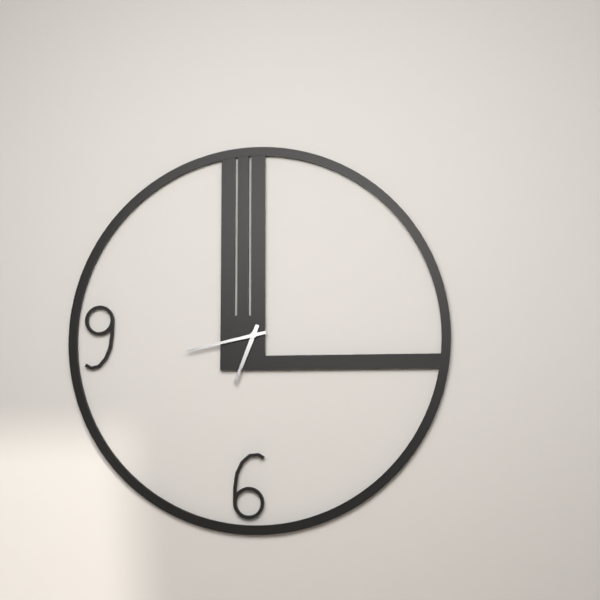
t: h=6 m=43
